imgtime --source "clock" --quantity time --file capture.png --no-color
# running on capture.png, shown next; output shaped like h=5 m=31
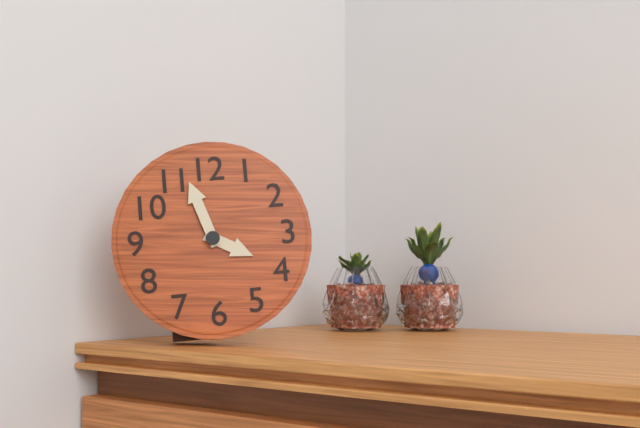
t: h=3 m=57
